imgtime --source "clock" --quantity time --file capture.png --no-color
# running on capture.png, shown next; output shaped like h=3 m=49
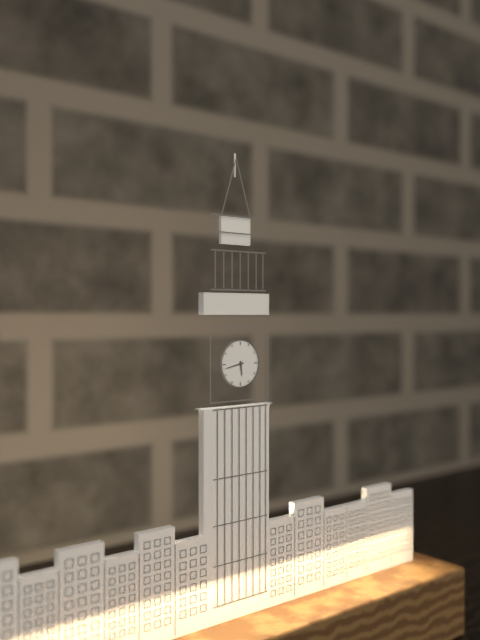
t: h=5 m=43
